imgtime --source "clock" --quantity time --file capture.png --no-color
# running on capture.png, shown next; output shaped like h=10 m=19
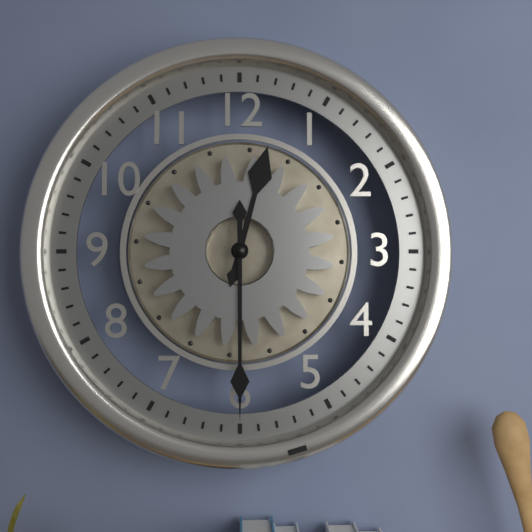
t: h=12 m=30
